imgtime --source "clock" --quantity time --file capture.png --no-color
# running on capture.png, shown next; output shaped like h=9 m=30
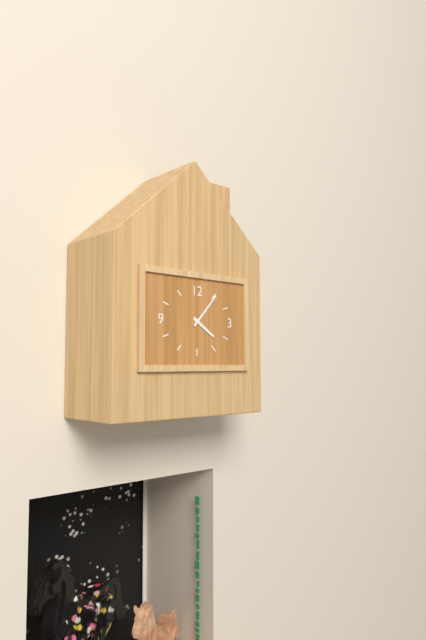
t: h=4 m=7
